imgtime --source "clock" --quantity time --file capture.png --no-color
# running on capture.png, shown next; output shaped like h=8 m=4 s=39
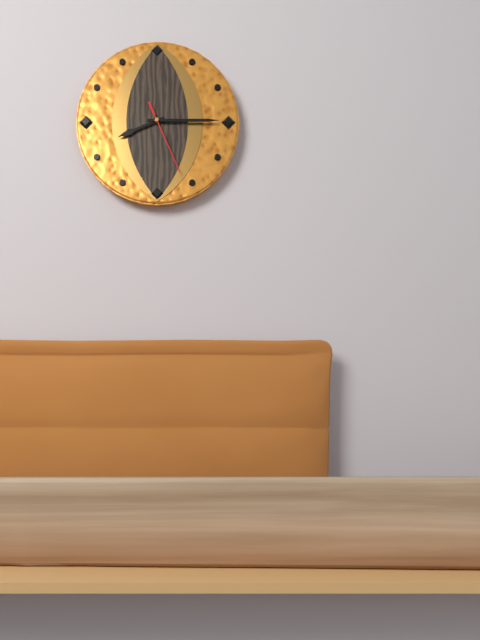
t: h=8 m=15 s=26
